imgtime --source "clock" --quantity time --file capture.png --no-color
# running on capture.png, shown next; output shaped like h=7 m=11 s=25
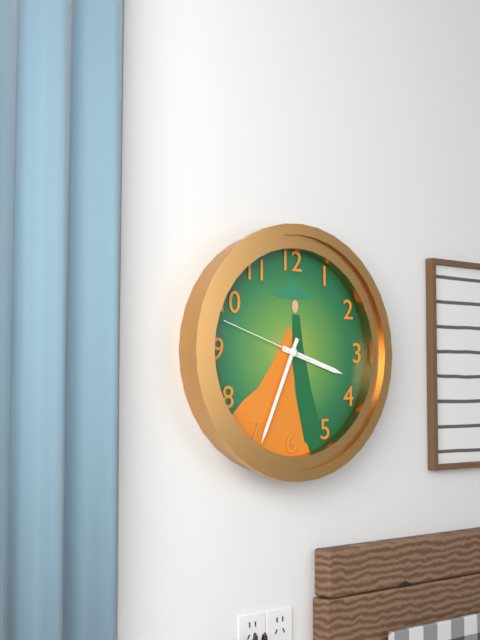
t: h=3 m=34 s=48
